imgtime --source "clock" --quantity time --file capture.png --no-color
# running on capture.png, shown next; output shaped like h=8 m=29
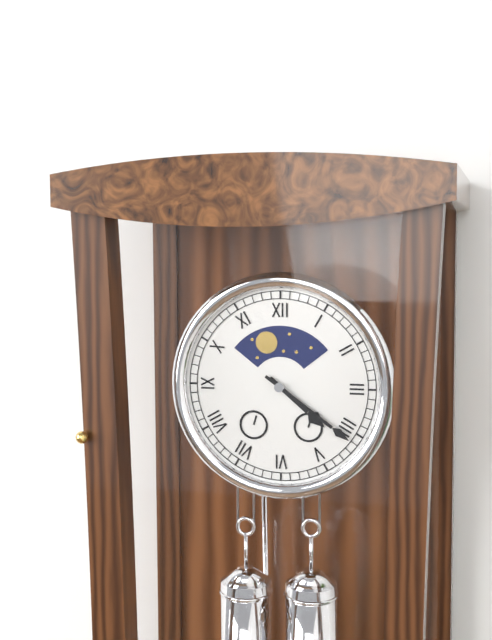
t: h=4 m=21
